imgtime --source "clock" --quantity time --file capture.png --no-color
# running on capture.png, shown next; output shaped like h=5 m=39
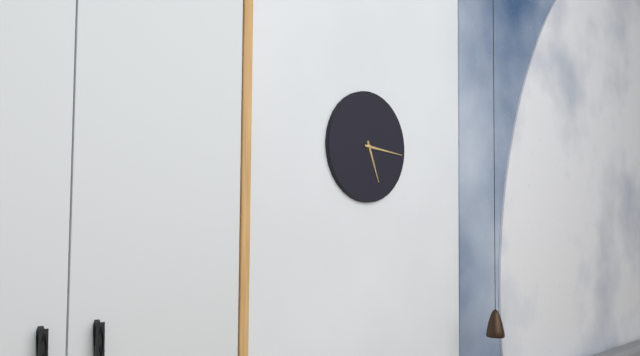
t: h=5 m=16
